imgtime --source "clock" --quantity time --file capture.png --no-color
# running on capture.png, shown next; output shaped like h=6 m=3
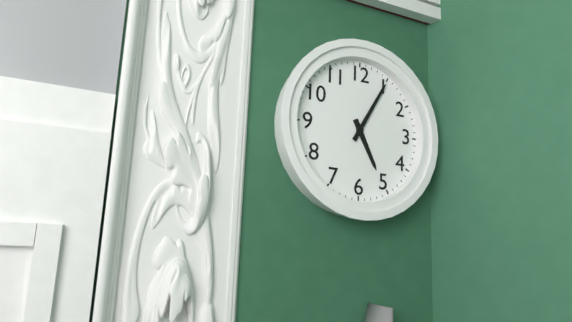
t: h=5 m=5
